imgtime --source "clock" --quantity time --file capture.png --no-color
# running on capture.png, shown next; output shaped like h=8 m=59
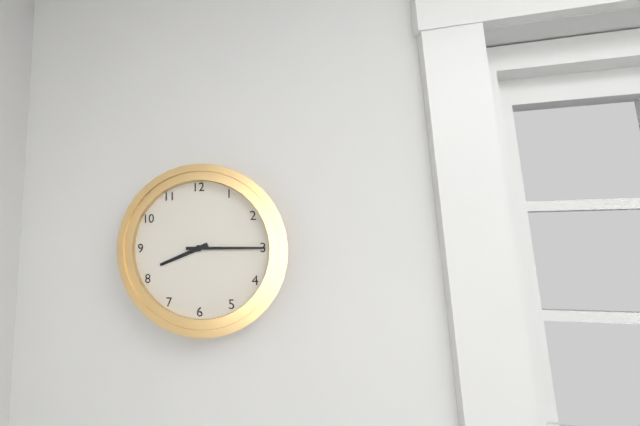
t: h=8 m=15
